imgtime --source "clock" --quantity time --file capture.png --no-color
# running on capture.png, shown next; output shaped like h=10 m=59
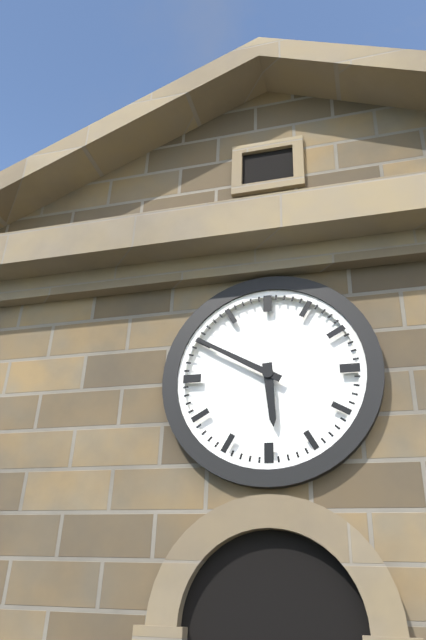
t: h=5 m=50
